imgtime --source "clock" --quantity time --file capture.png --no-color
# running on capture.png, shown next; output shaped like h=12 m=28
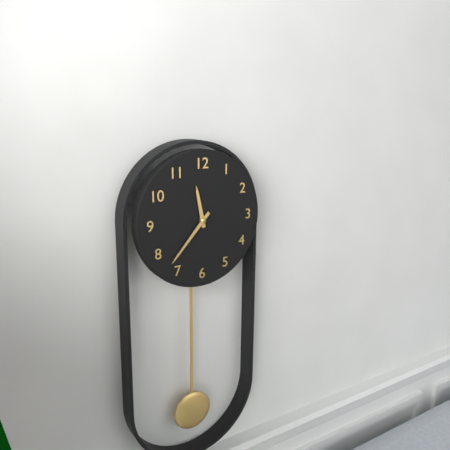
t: h=11 m=37
